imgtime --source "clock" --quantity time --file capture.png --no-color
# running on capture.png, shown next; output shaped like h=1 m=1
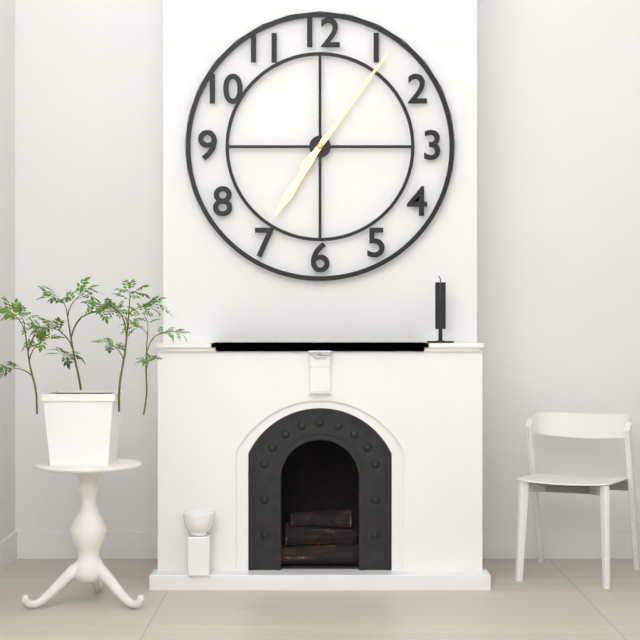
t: h=7 m=6
